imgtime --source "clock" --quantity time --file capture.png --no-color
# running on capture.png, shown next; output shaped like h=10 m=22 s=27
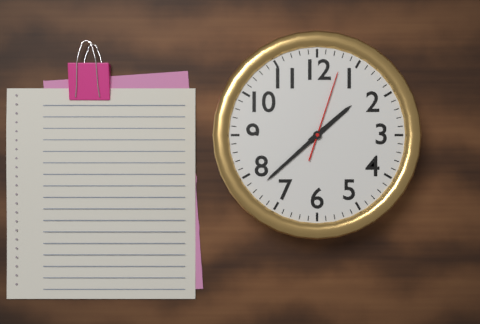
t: h=1 m=38 s=3
